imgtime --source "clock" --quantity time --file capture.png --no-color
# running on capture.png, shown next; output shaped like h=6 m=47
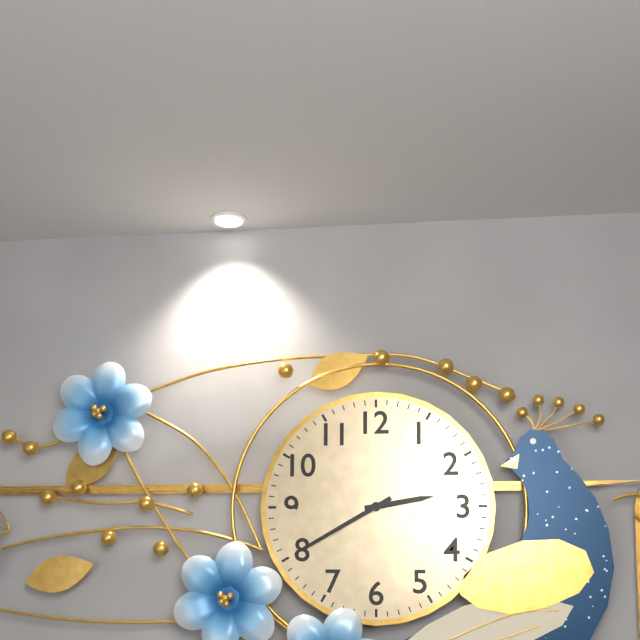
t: h=2 m=40
